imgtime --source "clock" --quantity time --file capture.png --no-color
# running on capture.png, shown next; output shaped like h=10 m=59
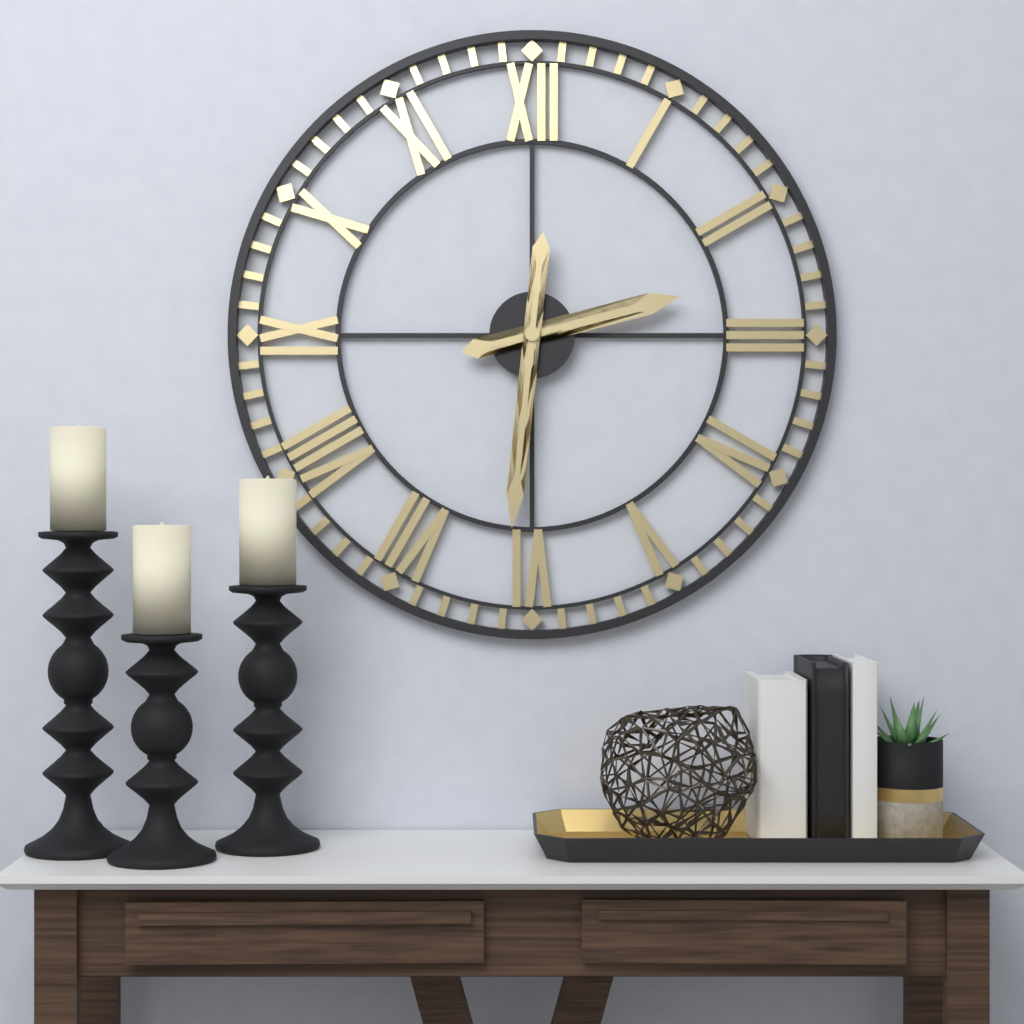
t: h=2 m=31
